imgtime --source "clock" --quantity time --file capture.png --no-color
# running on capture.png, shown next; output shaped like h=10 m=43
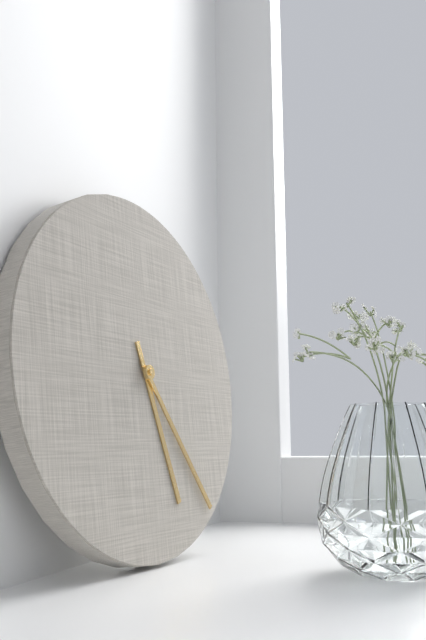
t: h=5 m=24
